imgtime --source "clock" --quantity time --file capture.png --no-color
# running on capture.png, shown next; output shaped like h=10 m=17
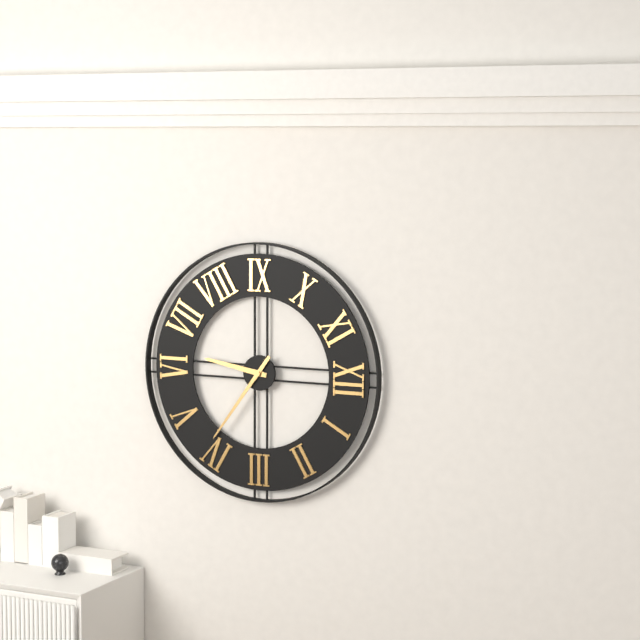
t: h=6 m=21
